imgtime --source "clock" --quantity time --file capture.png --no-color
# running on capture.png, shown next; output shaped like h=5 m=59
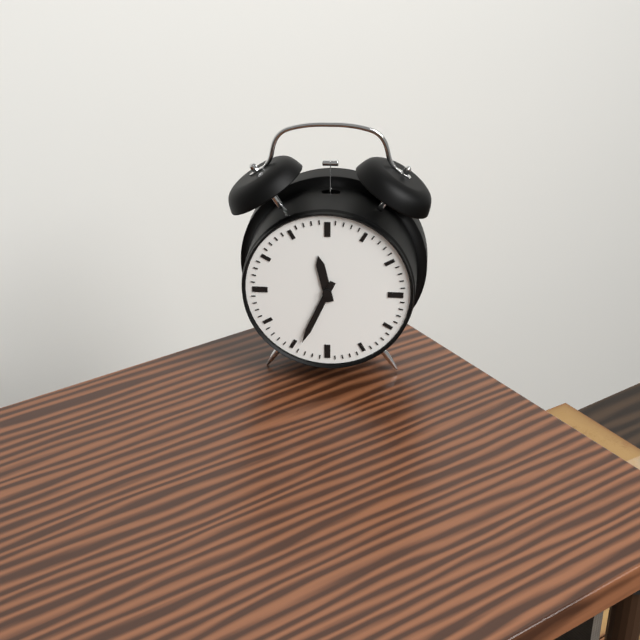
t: h=11 m=34
